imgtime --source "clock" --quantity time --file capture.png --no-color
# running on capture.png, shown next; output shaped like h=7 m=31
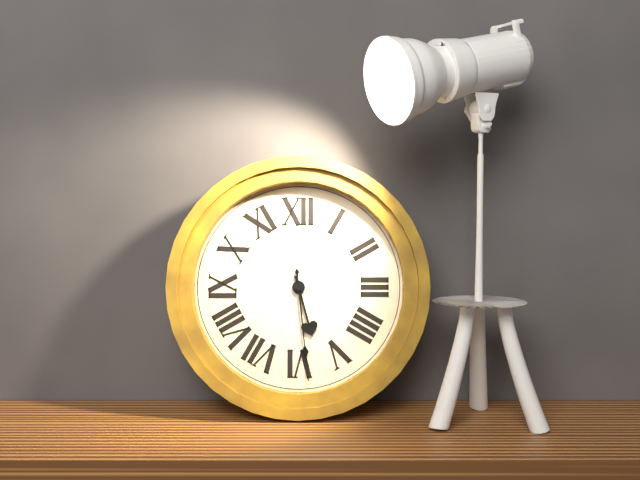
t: h=5 m=29
